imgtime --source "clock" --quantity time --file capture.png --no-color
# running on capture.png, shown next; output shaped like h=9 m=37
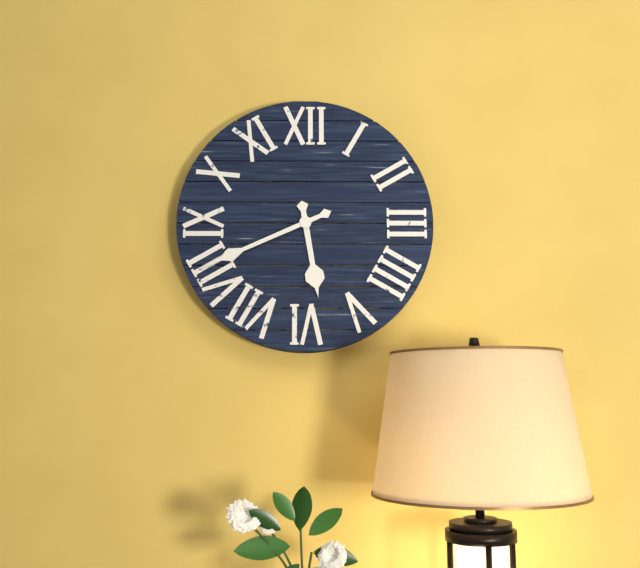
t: h=5 m=41
